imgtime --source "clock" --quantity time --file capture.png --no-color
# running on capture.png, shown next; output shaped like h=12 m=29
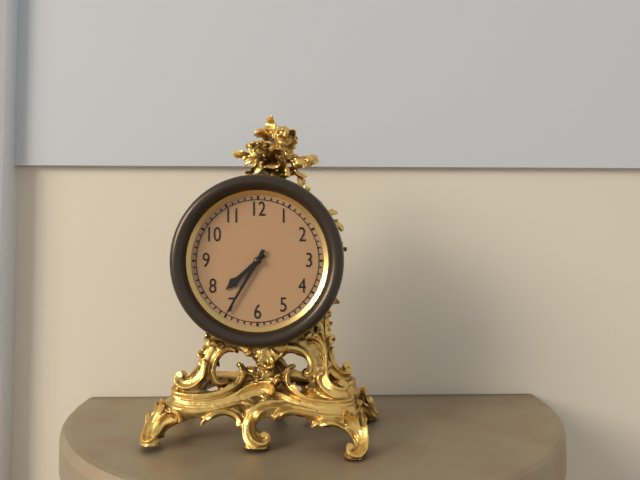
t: h=7 m=35
